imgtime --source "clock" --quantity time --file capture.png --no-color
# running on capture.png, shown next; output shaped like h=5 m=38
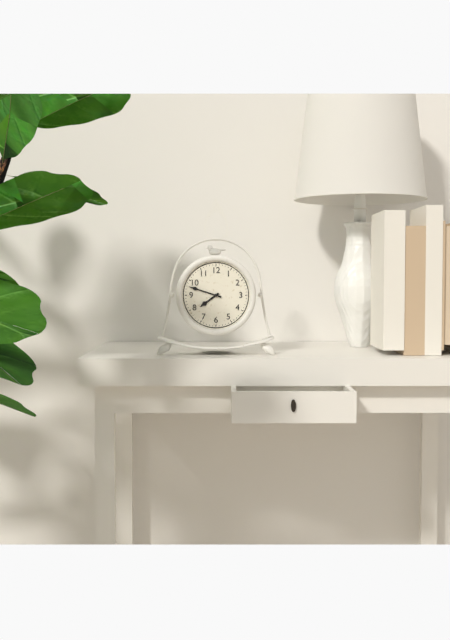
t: h=7 m=48
